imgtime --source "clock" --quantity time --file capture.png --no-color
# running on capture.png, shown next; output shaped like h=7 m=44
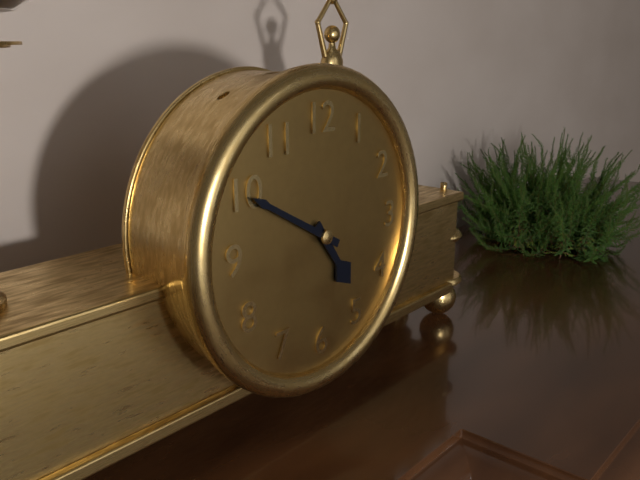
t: h=4 m=50
